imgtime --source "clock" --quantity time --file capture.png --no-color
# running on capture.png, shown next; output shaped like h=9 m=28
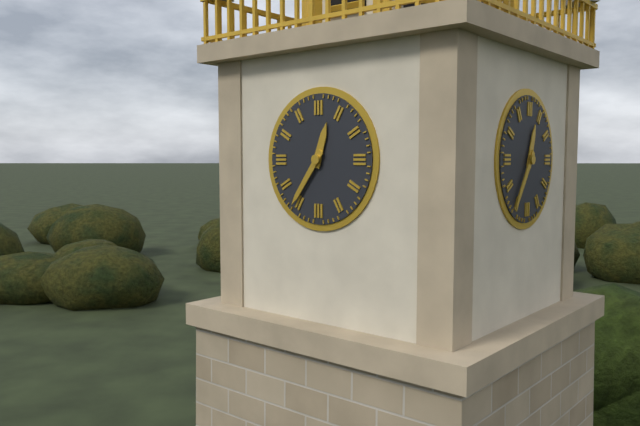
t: h=12 m=36
